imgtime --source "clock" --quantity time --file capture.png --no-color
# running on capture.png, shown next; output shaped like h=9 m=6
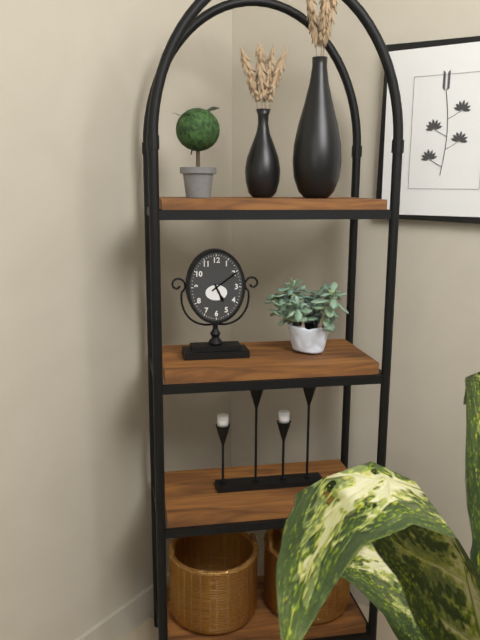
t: h=5 m=9
